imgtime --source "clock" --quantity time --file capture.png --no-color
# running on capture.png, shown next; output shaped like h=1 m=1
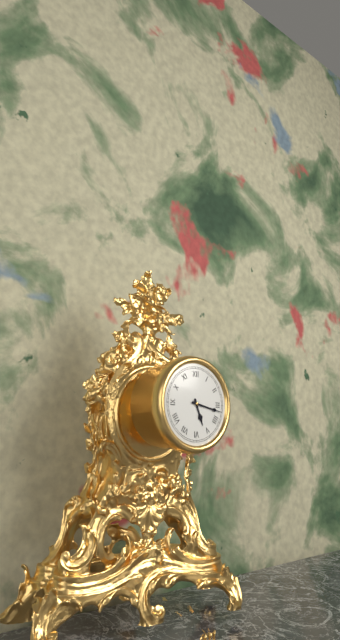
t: h=5 m=17
